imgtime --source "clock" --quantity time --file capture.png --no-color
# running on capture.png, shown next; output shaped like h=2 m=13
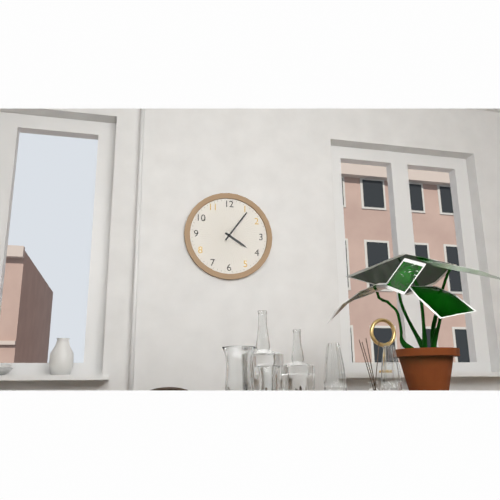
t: h=4 m=6
